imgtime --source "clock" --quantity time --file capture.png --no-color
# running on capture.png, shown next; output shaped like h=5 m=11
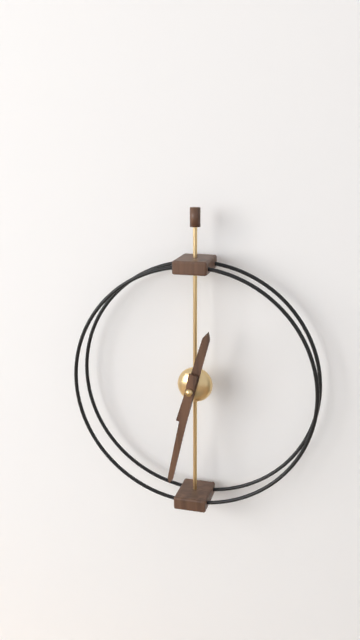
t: h=12 m=32
